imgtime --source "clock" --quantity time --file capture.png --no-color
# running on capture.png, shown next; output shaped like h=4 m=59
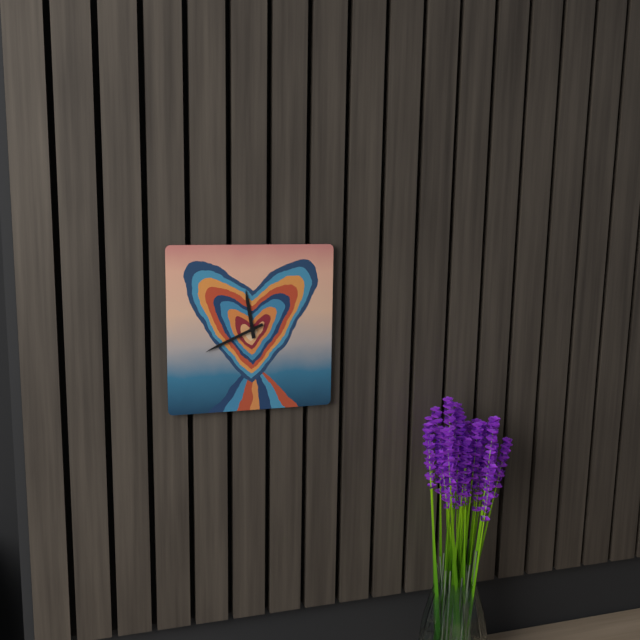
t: h=11 m=41
